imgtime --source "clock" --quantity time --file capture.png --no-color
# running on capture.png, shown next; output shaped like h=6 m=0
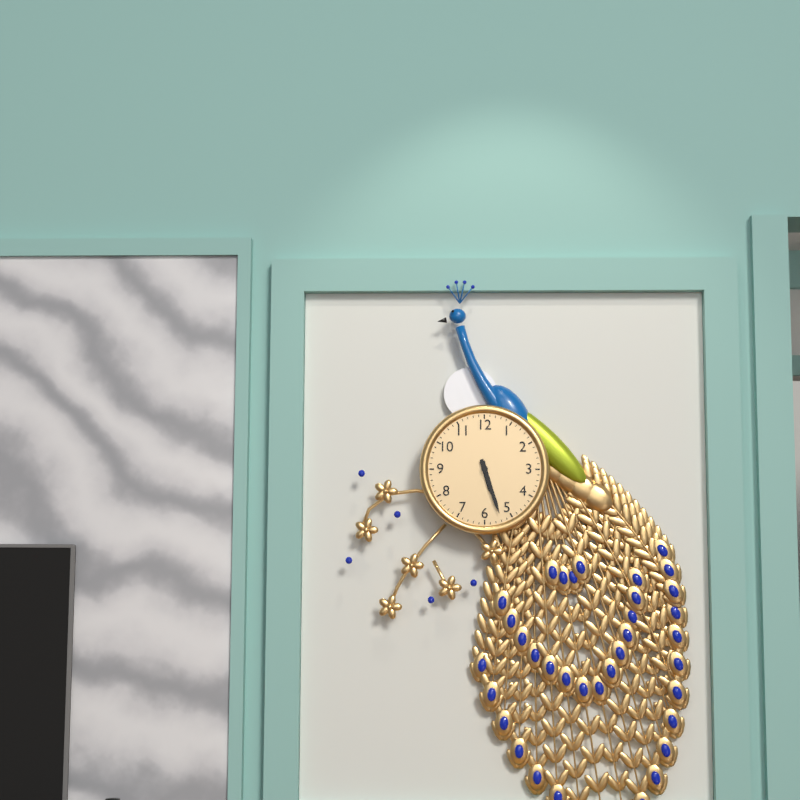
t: h=5 m=27
